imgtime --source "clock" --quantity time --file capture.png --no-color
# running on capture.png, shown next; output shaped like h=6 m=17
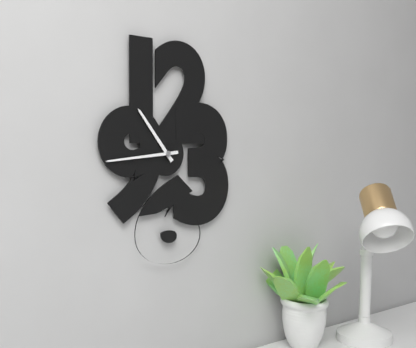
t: h=10 m=44
